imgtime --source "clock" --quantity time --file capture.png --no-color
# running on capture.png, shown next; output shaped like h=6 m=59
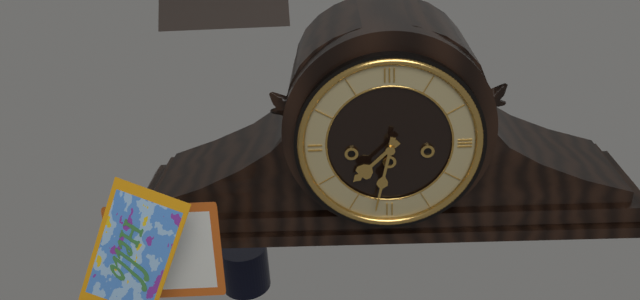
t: h=7 m=32
